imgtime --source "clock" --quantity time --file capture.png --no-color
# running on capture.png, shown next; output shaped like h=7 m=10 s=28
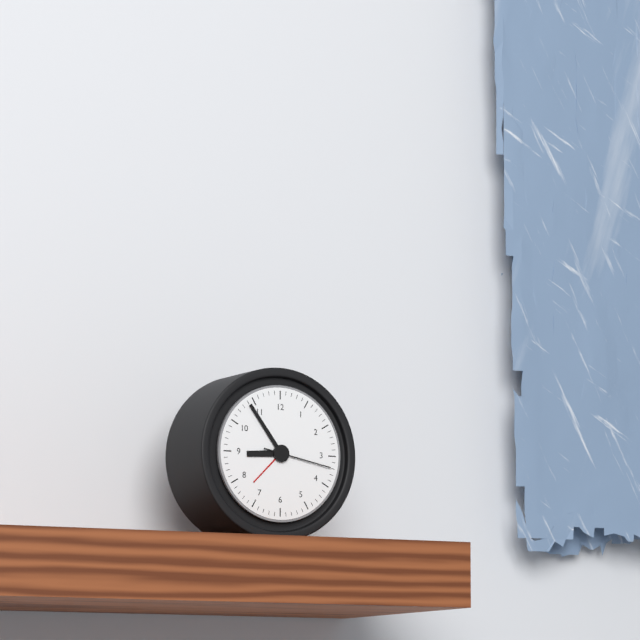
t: h=8 m=54 s=17
